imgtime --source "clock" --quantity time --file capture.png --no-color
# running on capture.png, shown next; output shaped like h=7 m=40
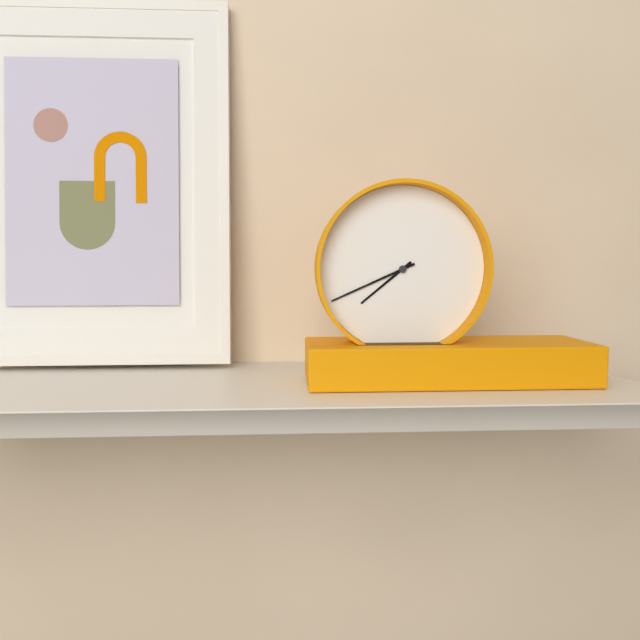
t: h=7 m=41
